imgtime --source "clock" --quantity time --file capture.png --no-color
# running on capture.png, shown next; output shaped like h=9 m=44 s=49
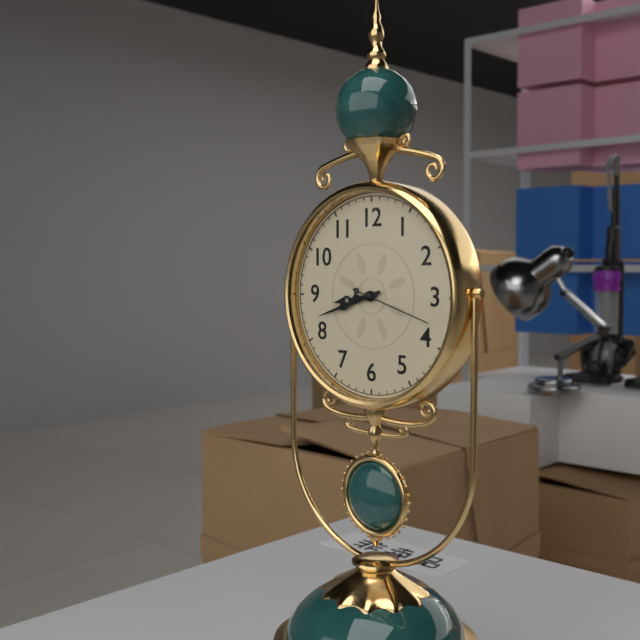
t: h=8 m=42 s=18
